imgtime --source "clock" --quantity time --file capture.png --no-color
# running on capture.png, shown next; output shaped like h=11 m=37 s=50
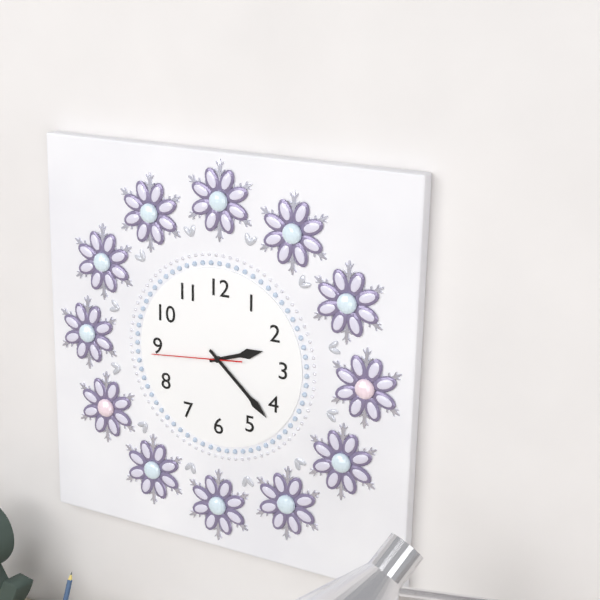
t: h=2 m=22 s=44
